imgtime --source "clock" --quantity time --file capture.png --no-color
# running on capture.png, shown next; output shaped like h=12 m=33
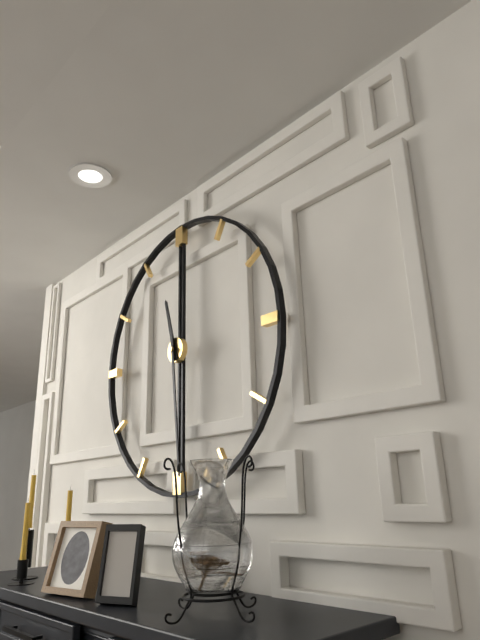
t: h=11 m=29
